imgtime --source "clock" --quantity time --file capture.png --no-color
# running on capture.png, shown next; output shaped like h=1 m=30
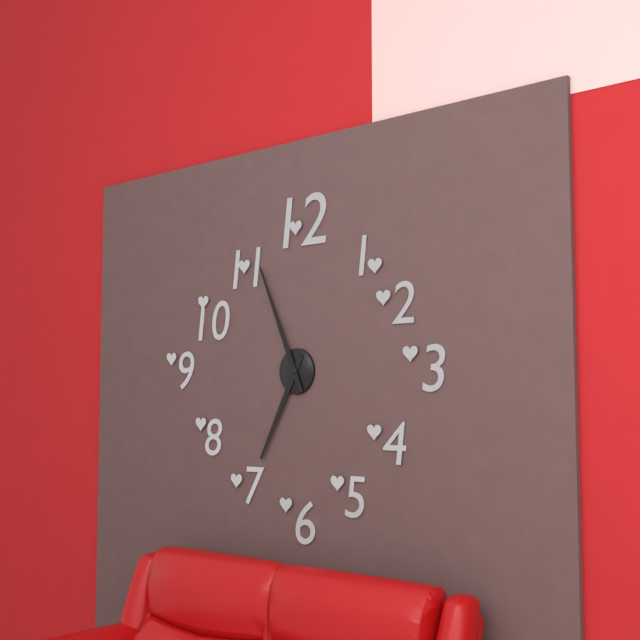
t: h=6 m=56
